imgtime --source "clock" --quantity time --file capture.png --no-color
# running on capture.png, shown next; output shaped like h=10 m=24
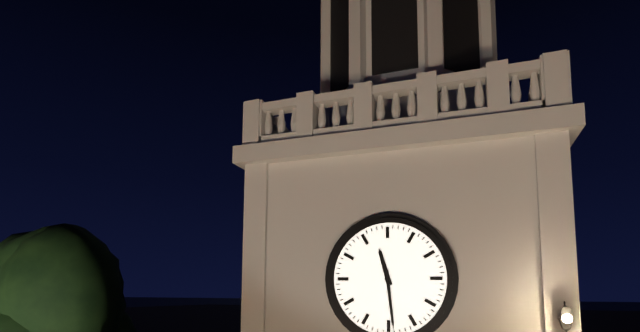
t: h=11 m=29
